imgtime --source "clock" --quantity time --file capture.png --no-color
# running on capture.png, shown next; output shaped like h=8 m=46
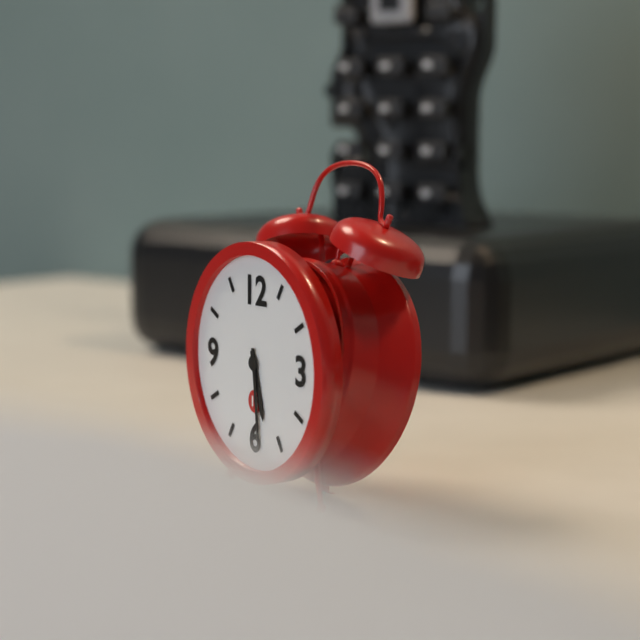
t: h=5 m=29
